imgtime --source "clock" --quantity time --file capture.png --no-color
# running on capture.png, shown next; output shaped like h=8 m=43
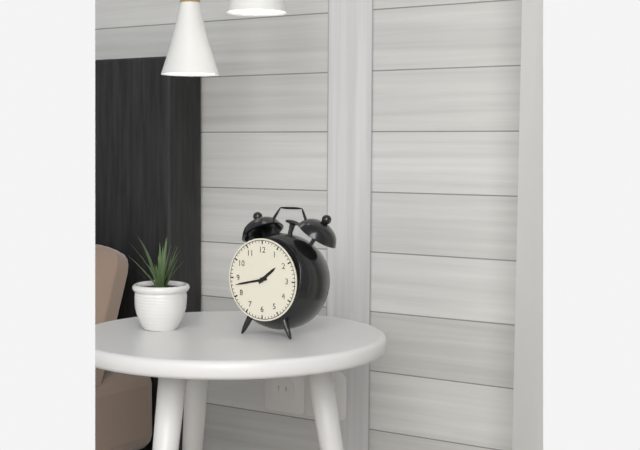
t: h=1 m=43
